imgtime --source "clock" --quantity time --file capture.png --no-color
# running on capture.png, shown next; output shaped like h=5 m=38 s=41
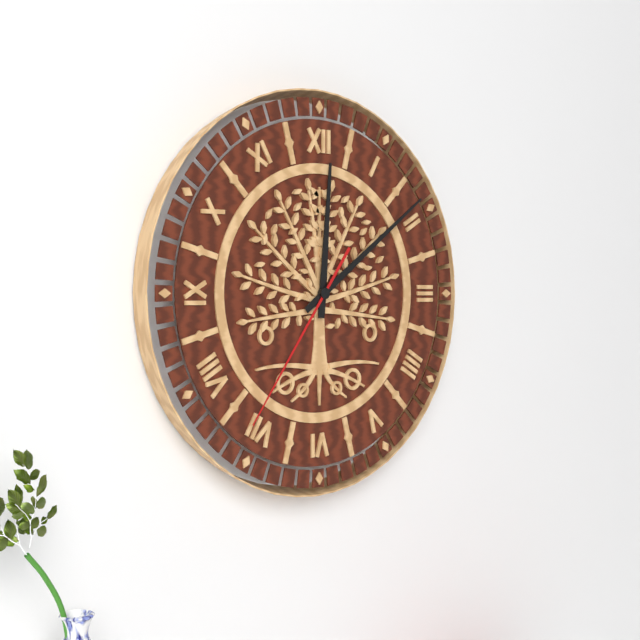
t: h=12 m=9 s=36
